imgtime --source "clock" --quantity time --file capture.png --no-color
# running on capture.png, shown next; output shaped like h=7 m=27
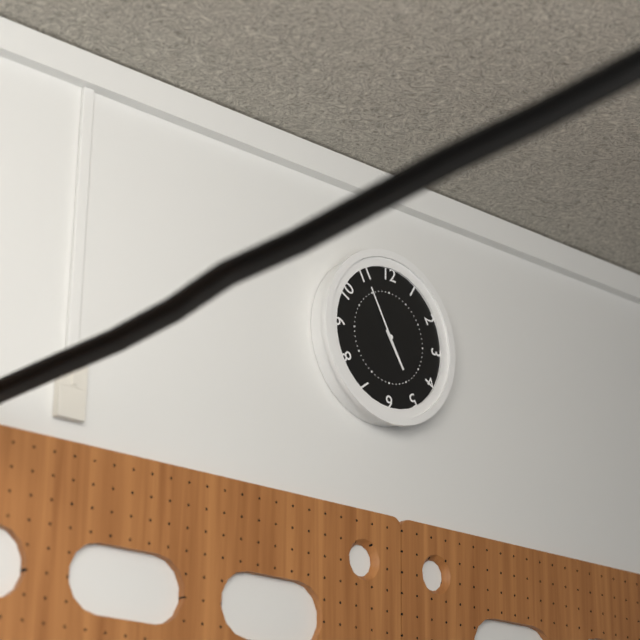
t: h=4 m=55
